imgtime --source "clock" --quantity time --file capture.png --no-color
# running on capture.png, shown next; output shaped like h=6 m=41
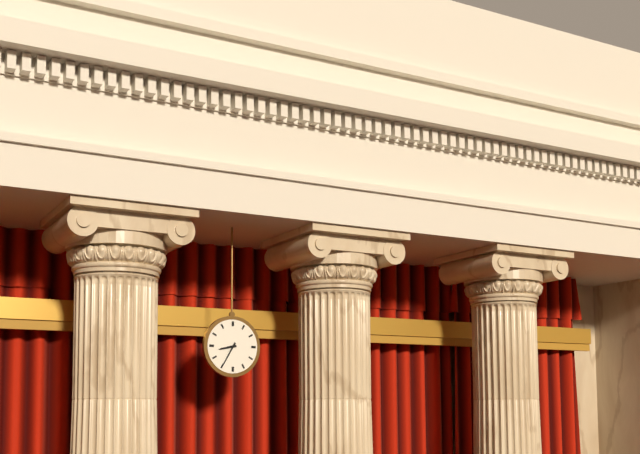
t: h=8 m=35
